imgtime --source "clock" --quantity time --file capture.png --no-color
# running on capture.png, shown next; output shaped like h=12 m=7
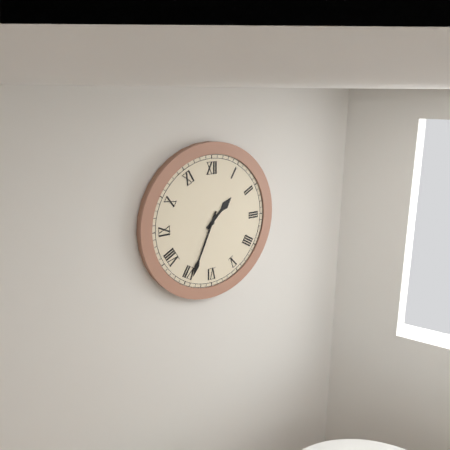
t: h=1 m=34
